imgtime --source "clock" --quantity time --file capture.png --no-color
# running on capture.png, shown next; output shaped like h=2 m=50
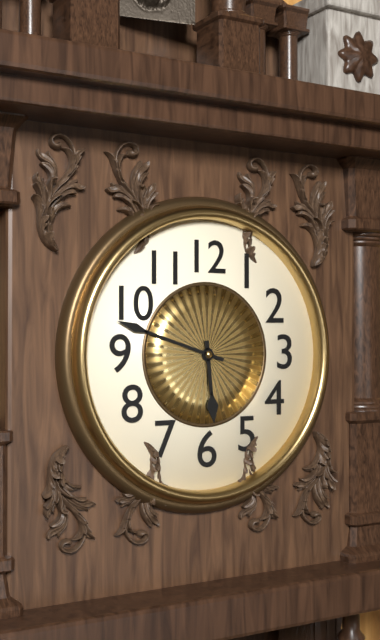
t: h=5 m=48
